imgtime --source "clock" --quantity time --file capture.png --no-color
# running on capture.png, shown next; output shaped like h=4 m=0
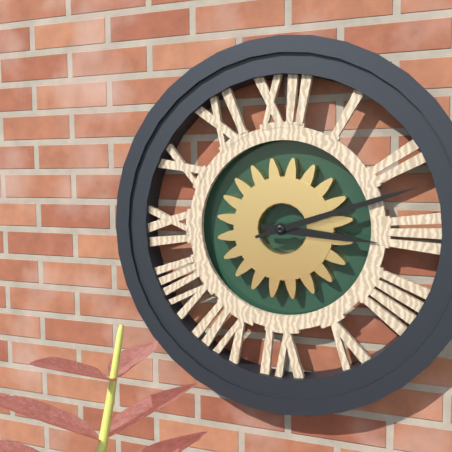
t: h=3 m=12
